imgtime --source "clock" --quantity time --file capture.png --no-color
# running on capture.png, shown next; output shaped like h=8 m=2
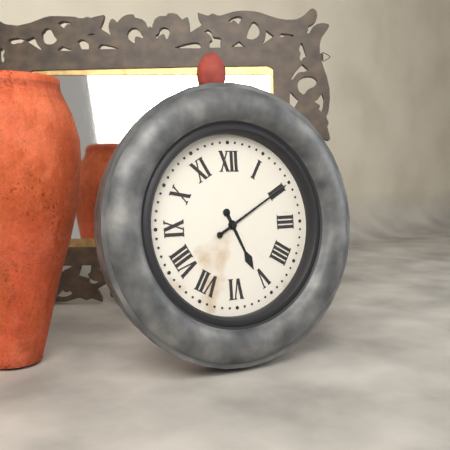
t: h=5 m=10
